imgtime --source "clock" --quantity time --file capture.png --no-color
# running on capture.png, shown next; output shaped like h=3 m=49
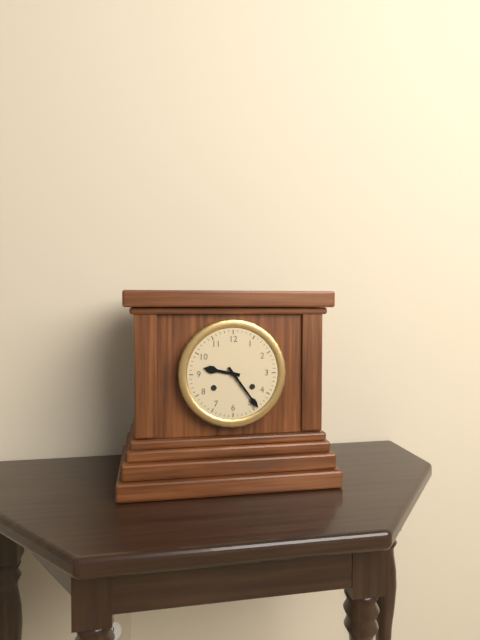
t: h=9 m=24
